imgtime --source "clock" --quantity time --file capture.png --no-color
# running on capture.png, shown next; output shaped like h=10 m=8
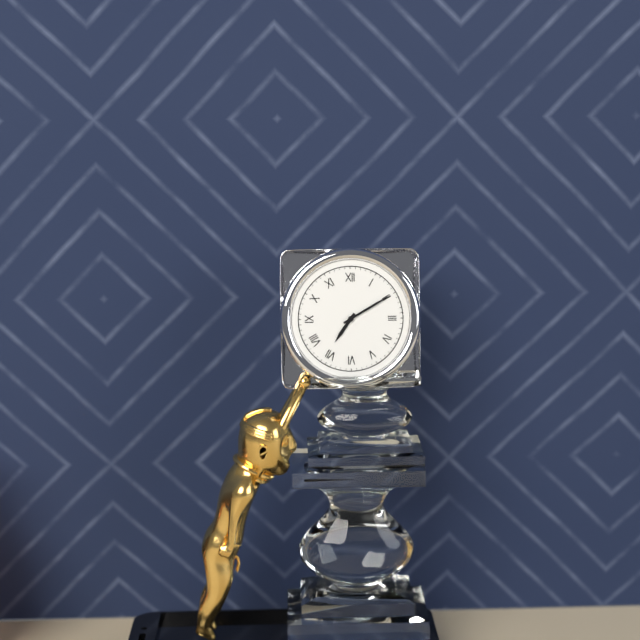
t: h=7 m=10
